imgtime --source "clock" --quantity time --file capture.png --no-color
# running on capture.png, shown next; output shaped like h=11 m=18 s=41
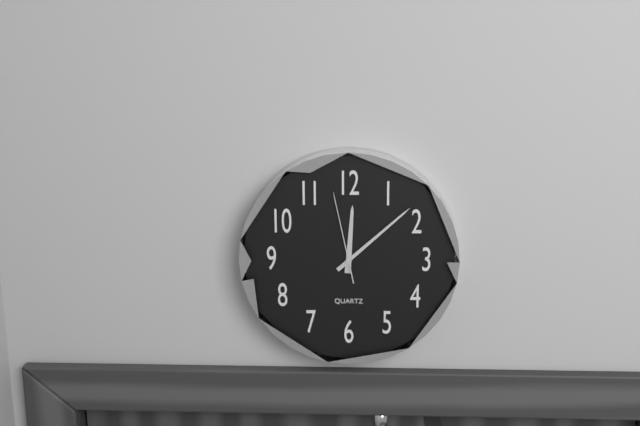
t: h=12 m=8 s=58
